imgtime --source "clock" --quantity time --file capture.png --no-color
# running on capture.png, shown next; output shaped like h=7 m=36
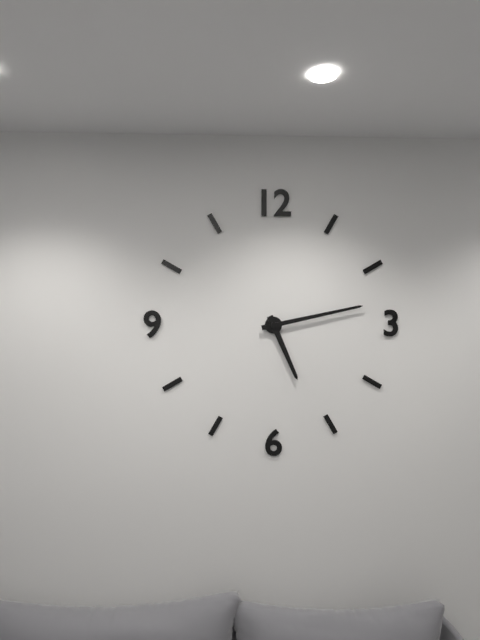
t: h=5 m=13
